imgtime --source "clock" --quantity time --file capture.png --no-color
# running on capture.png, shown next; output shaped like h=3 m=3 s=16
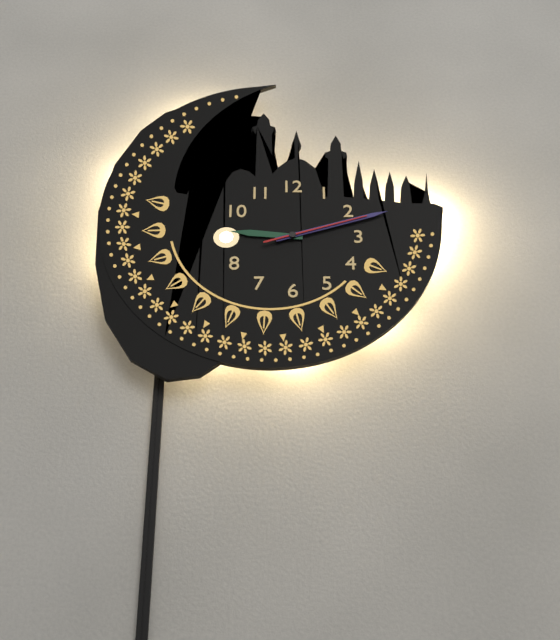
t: h=9 m=12 s=12
